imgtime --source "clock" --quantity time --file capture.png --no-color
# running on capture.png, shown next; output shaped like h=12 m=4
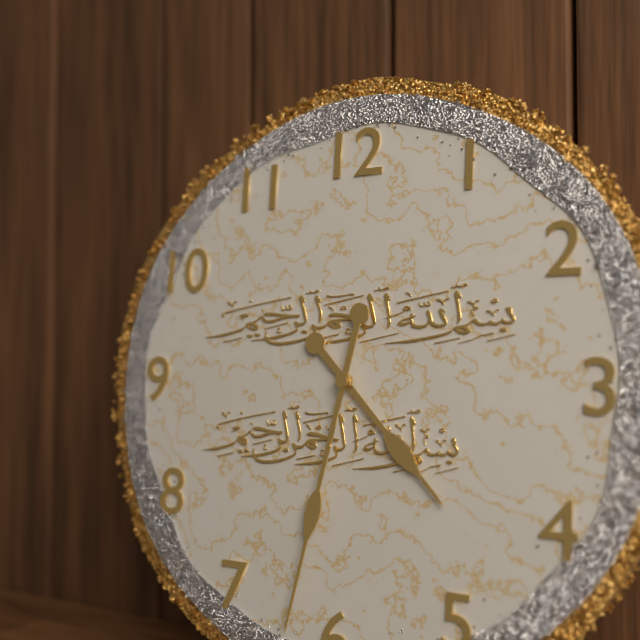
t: h=4 m=32
